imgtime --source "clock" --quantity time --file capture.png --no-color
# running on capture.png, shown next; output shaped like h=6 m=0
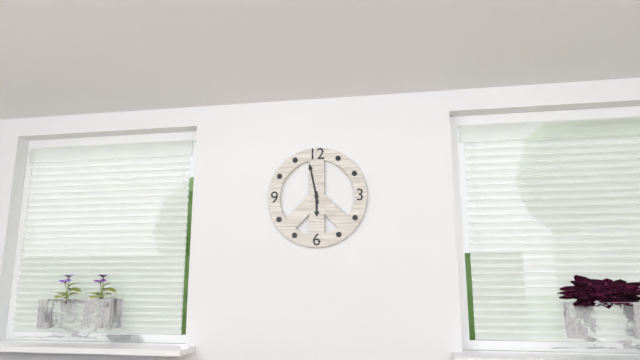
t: h=5 m=58
